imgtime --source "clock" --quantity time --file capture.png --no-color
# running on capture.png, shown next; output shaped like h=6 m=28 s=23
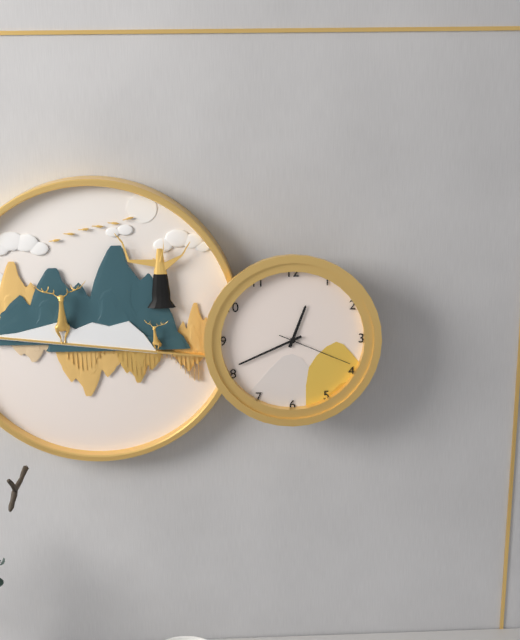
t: h=12 m=41 s=19
